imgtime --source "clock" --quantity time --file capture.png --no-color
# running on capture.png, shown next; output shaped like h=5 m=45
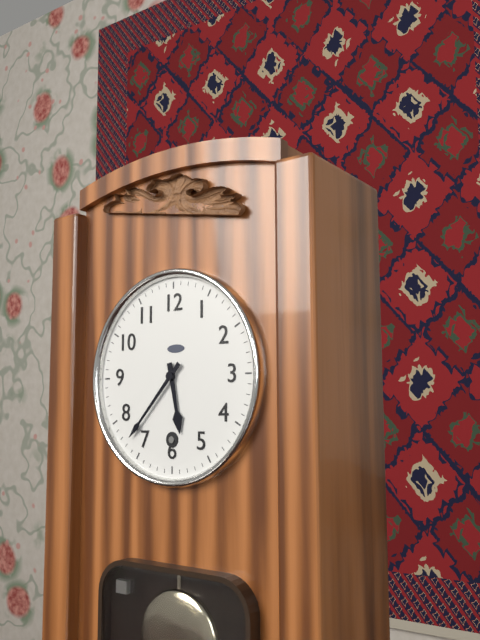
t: h=5 m=37
